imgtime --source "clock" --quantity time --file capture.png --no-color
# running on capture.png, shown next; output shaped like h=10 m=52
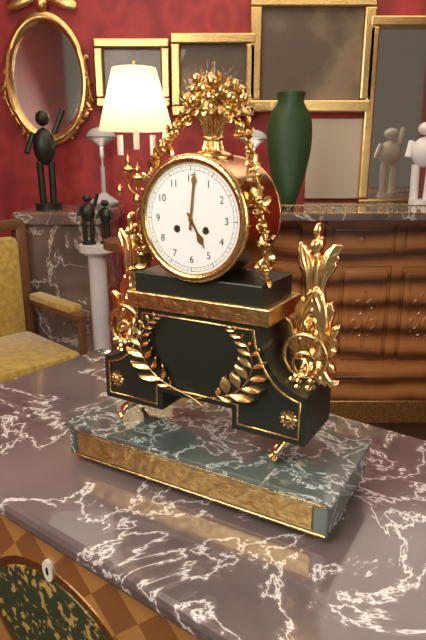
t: h=5 m=1
